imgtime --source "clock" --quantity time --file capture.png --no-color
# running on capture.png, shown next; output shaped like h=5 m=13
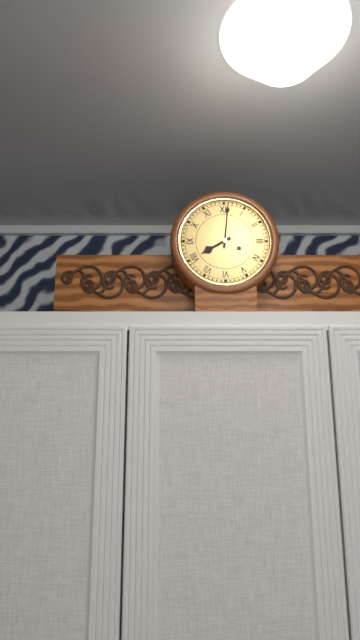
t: h=8 m=1
